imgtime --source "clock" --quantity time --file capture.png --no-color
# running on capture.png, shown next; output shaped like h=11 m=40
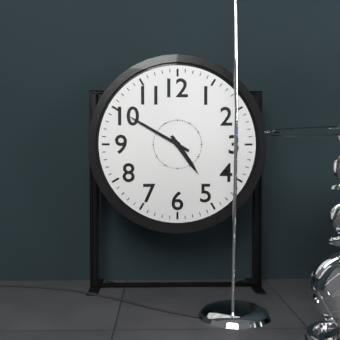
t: h=4 m=50
